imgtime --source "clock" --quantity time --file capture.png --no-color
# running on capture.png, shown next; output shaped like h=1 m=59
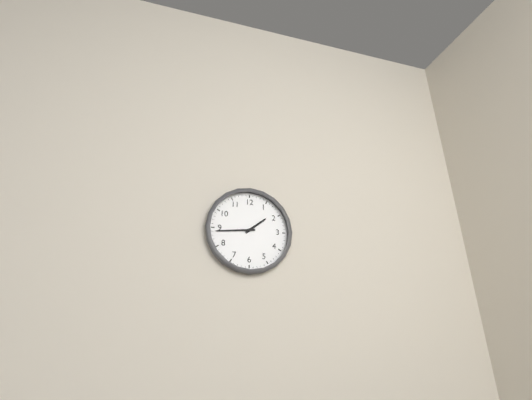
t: h=1 m=44
